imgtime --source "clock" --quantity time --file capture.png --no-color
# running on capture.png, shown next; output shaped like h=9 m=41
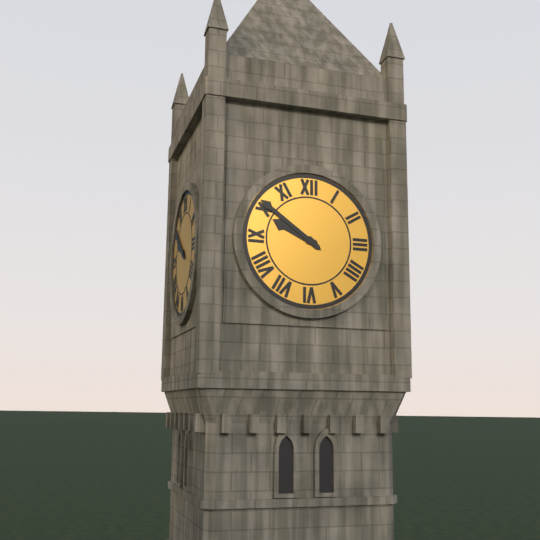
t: h=9 m=51
